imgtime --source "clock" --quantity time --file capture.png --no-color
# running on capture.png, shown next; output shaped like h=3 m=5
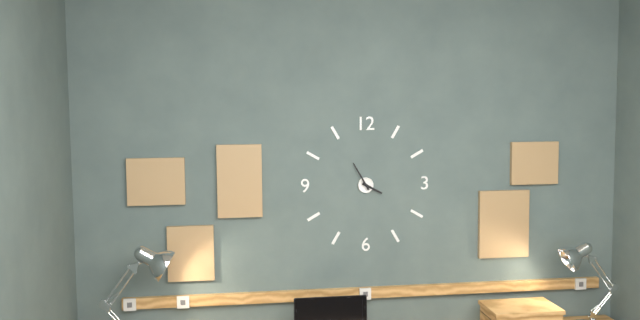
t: h=3 m=55
